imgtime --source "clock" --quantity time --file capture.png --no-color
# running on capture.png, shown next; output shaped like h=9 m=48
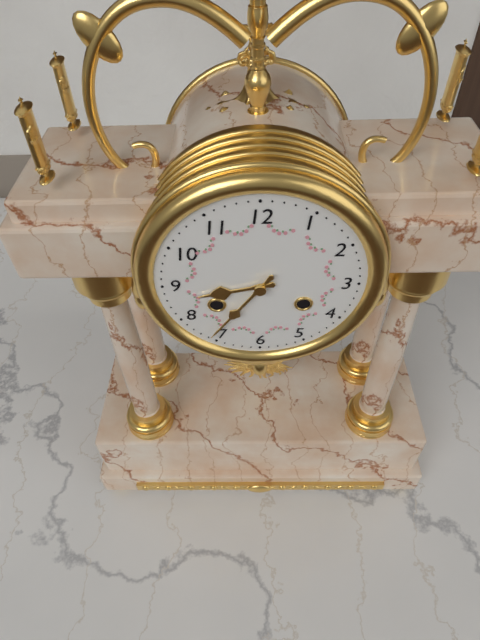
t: h=8 m=36
